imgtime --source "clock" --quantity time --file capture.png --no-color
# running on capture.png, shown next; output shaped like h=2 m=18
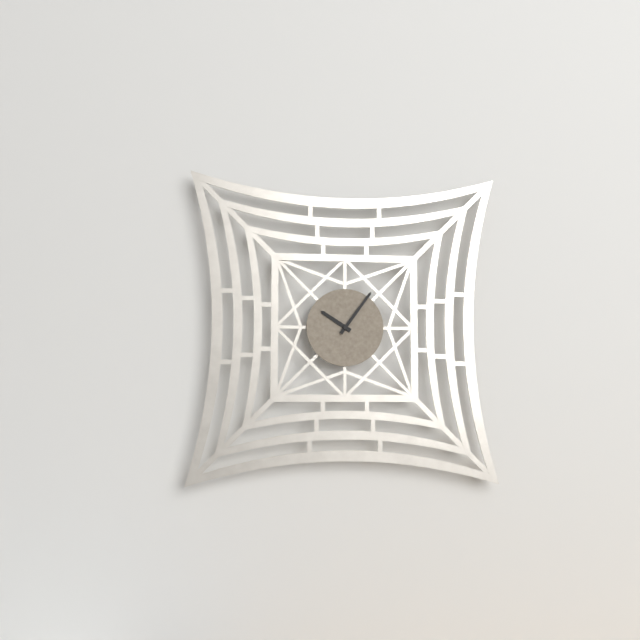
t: h=10 m=6
